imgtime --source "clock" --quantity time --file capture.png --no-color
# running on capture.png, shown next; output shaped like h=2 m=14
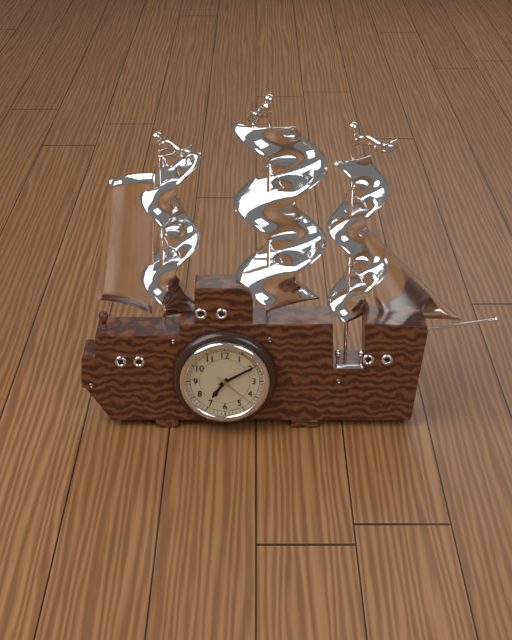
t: h=7 m=10
